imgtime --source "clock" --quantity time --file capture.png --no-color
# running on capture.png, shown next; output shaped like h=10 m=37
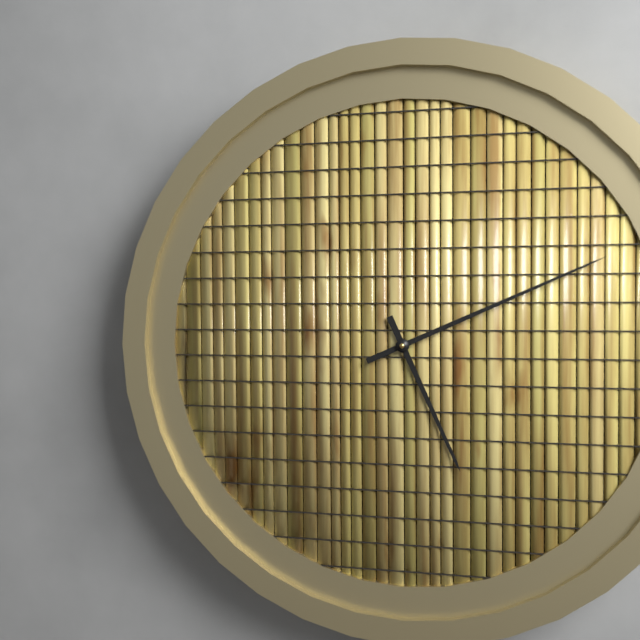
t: h=5 m=11
